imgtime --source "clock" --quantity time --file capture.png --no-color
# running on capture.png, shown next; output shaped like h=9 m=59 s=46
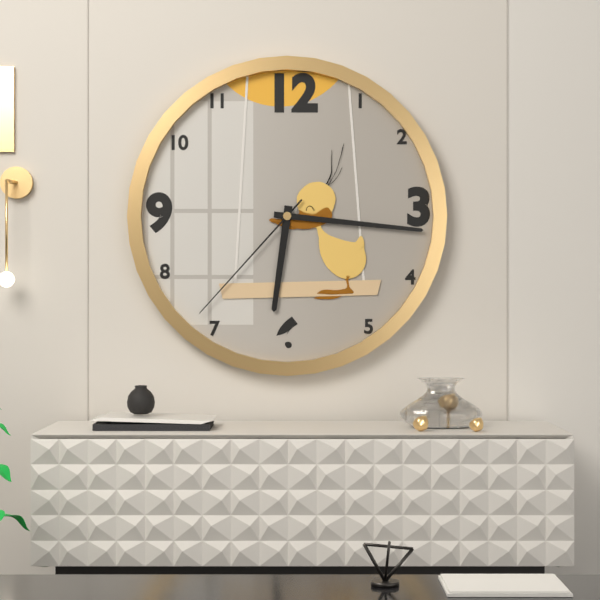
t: h=6 m=16 s=37
